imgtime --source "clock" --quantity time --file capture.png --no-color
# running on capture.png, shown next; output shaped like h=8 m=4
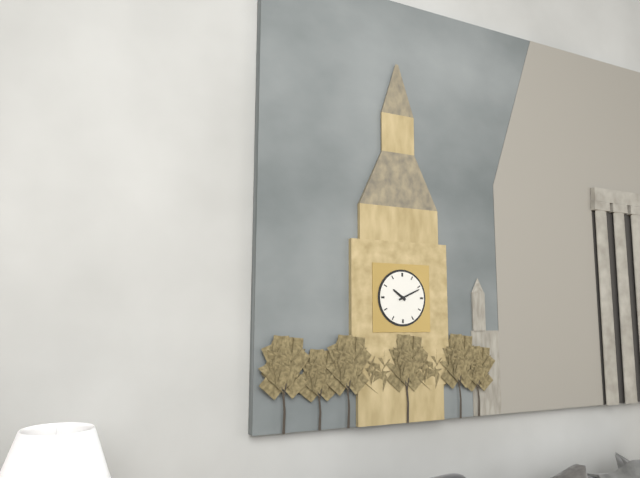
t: h=10 m=11
